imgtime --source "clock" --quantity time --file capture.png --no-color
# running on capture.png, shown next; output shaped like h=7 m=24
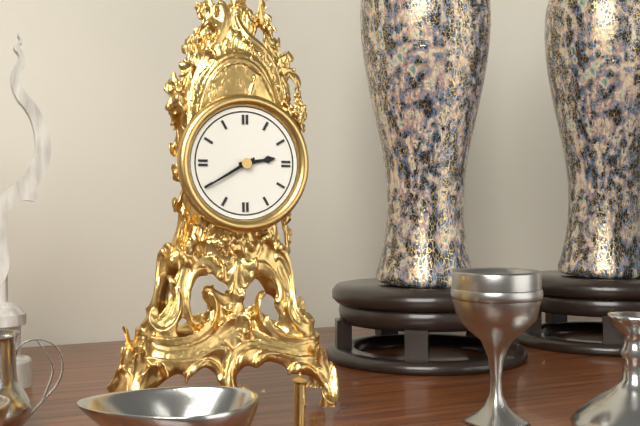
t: h=2 m=40
